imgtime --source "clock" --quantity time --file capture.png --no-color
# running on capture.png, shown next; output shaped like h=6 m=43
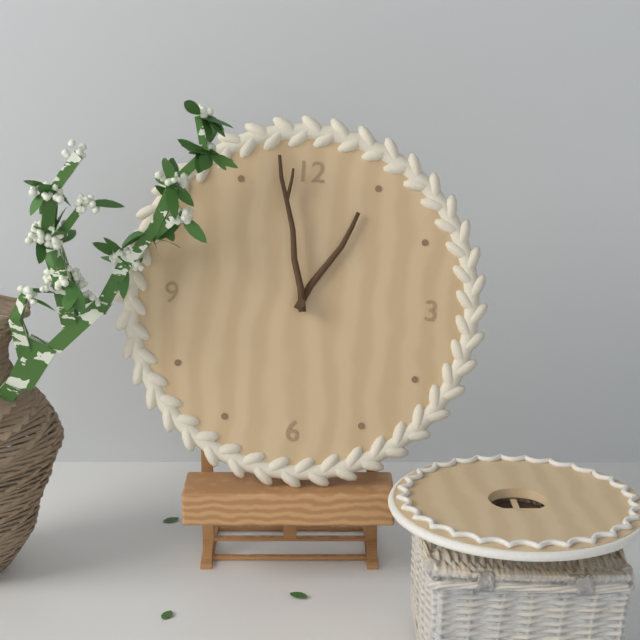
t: h=12 m=58
